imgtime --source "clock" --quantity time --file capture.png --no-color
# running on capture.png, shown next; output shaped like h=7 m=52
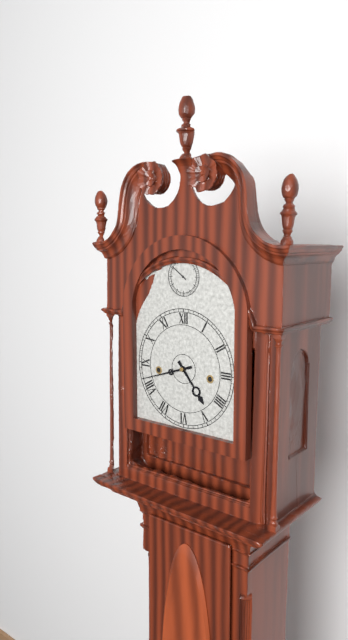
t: h=4 m=42
